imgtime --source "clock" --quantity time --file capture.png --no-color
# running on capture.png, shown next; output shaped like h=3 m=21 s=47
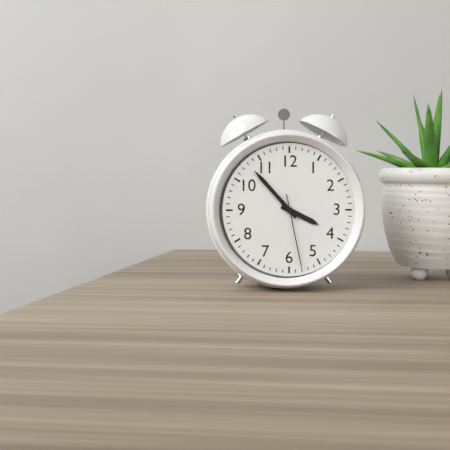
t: h=3 m=53 s=28
